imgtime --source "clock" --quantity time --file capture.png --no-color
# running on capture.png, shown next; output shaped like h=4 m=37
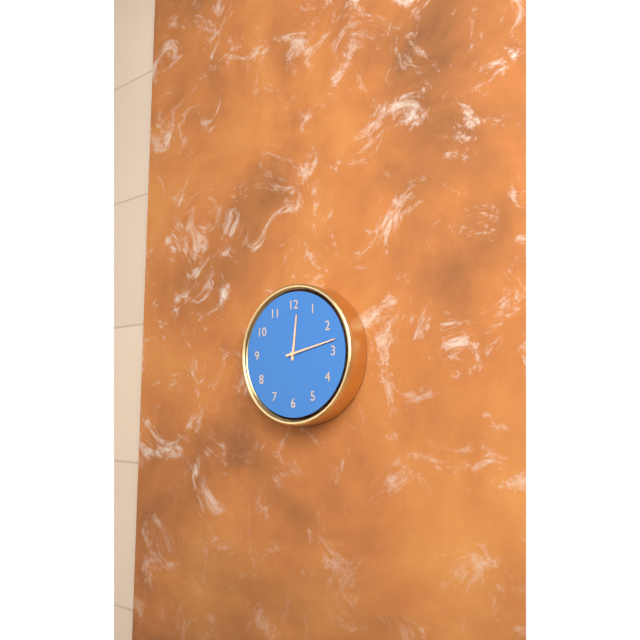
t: h=12 m=13
